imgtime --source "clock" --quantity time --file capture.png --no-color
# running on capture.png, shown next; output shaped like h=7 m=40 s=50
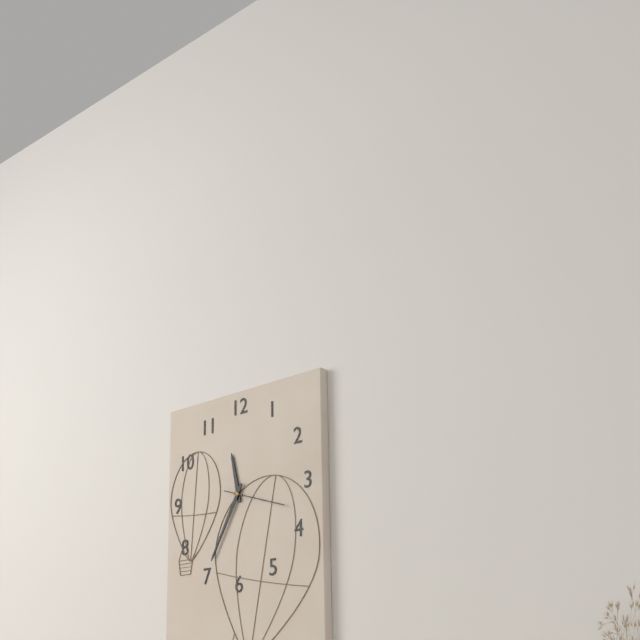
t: h=11 m=35 s=18
